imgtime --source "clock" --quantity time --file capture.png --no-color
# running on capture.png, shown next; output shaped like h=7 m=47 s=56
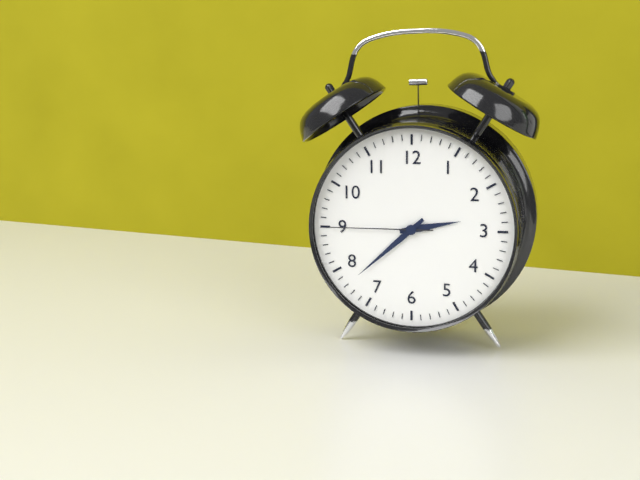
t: h=2 m=38 s=45
